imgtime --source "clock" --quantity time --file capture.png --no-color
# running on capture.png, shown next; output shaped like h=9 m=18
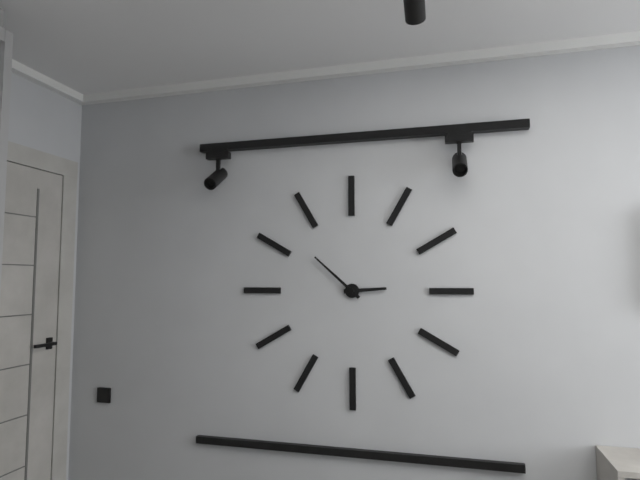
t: h=2 m=52
